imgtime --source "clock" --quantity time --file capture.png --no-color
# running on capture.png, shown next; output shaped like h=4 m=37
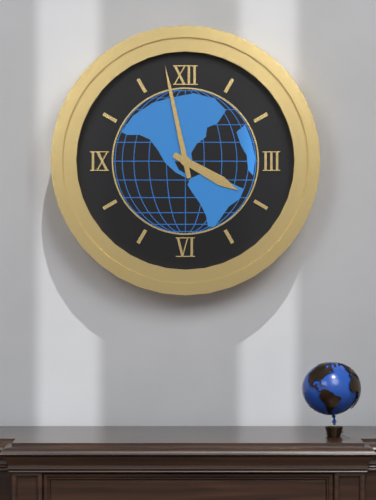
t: h=3 m=58
